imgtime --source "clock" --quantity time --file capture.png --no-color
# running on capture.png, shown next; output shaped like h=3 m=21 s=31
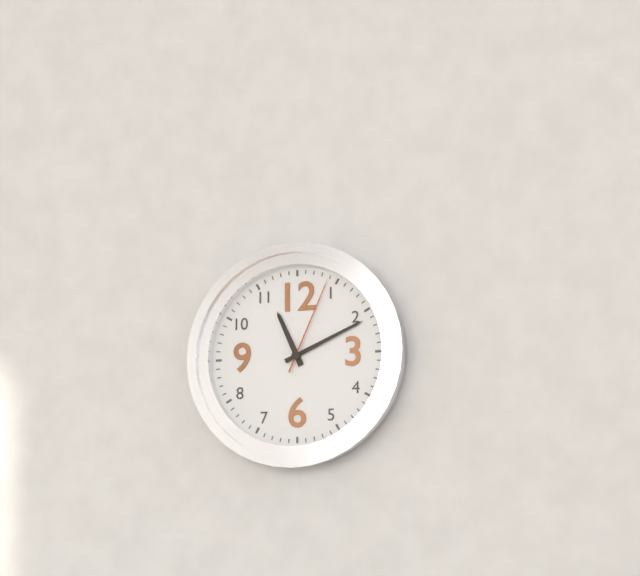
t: h=11 m=11 s=4
